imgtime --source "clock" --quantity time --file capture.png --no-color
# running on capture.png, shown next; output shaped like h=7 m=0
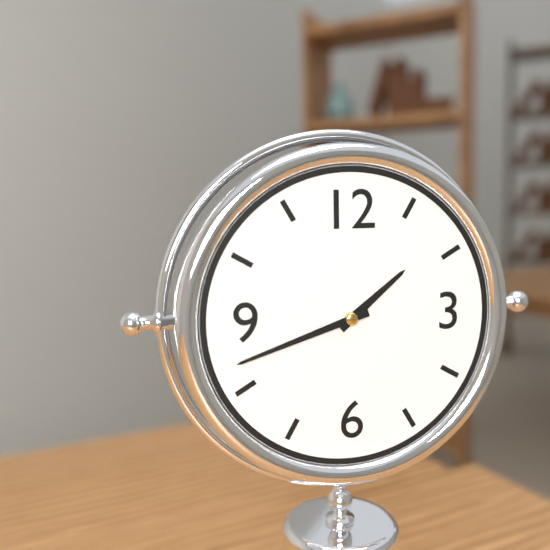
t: h=1 m=42
